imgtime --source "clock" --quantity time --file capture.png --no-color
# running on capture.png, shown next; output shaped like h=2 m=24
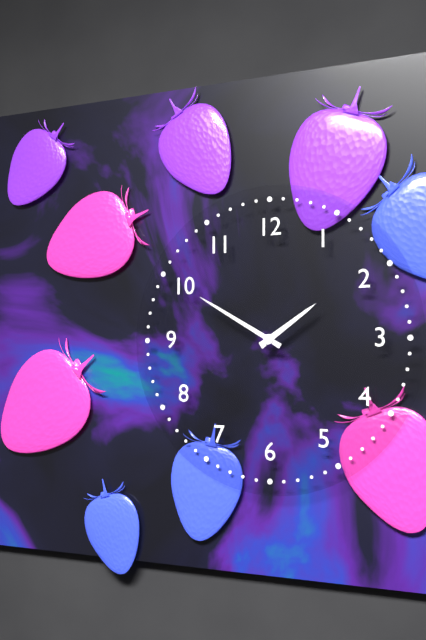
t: h=1 m=50
